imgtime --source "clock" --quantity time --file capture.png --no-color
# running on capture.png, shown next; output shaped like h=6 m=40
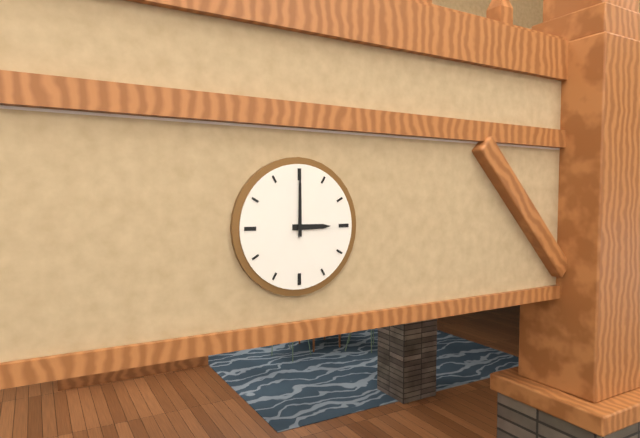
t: h=3 m=0
